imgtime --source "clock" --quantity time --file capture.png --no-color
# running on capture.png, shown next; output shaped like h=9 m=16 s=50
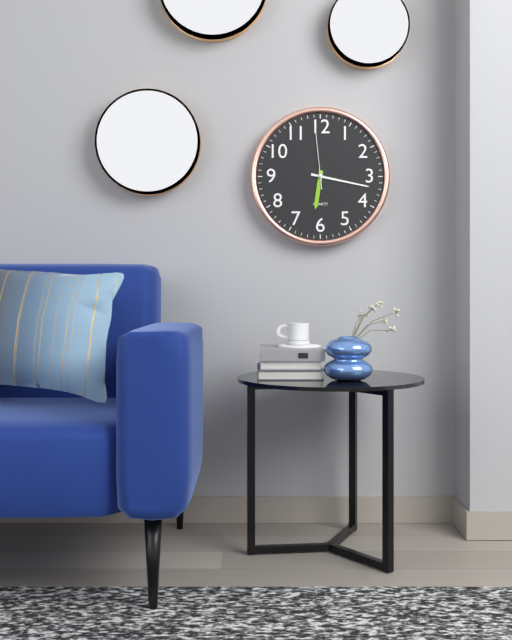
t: h=6 m=17 s=59
